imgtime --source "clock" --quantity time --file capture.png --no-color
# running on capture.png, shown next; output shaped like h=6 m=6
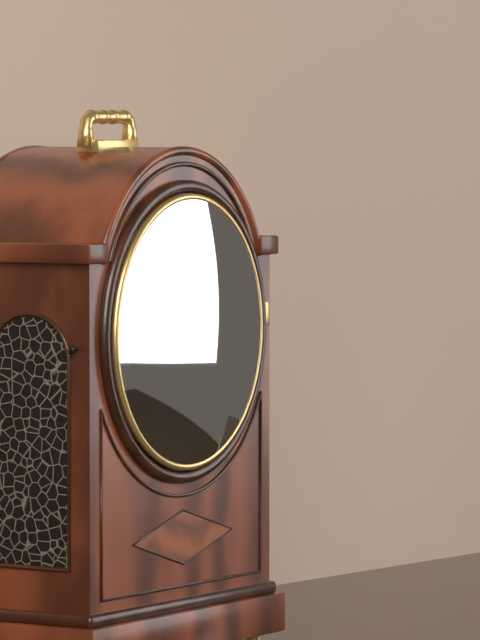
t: h=3 m=20
